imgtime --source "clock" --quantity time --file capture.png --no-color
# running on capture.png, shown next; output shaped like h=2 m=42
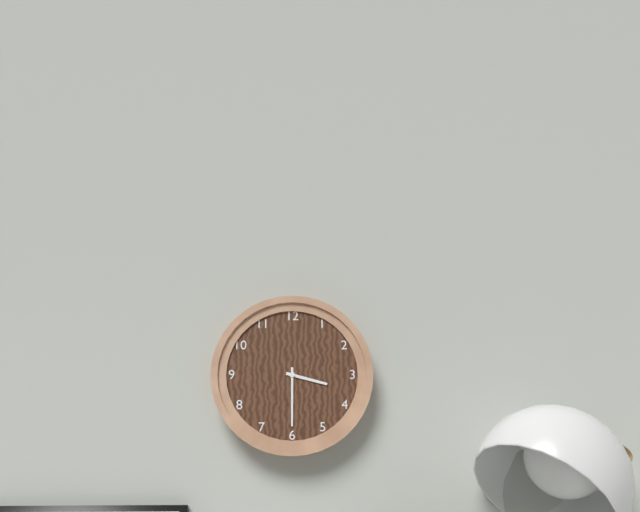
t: h=3 m=30
